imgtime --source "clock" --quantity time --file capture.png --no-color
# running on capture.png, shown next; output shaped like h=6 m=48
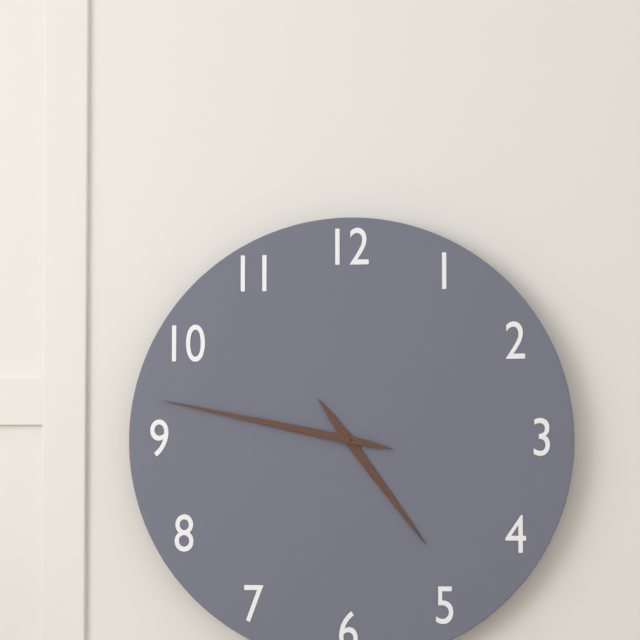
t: h=4 m=47
